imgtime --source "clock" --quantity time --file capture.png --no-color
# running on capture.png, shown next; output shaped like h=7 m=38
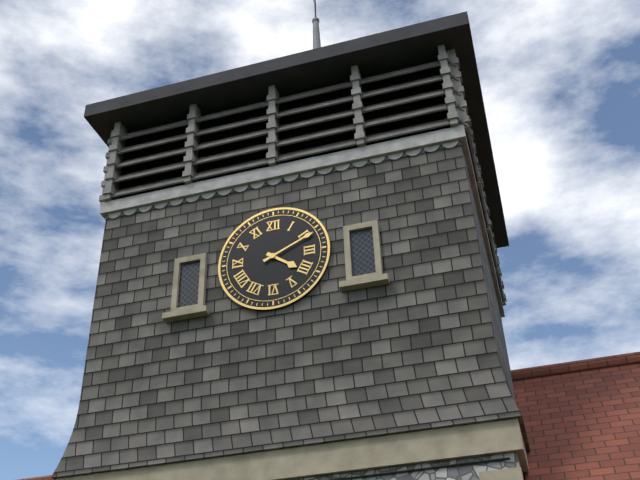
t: h=4 m=11
